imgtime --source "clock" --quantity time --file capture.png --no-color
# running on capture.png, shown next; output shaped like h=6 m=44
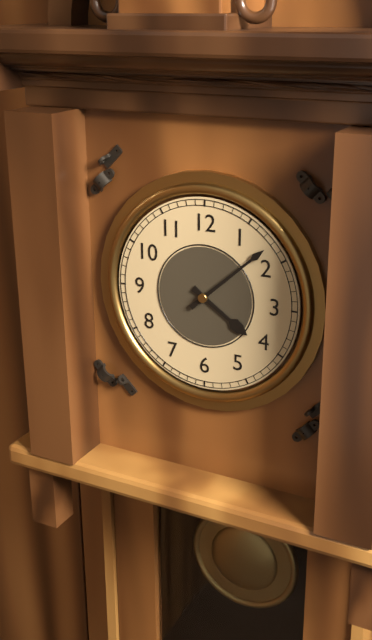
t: h=4 m=8
